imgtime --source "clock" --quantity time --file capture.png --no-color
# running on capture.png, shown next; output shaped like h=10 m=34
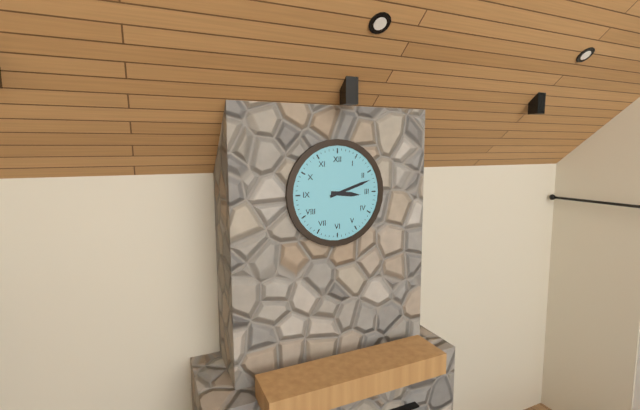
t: h=3 m=12
